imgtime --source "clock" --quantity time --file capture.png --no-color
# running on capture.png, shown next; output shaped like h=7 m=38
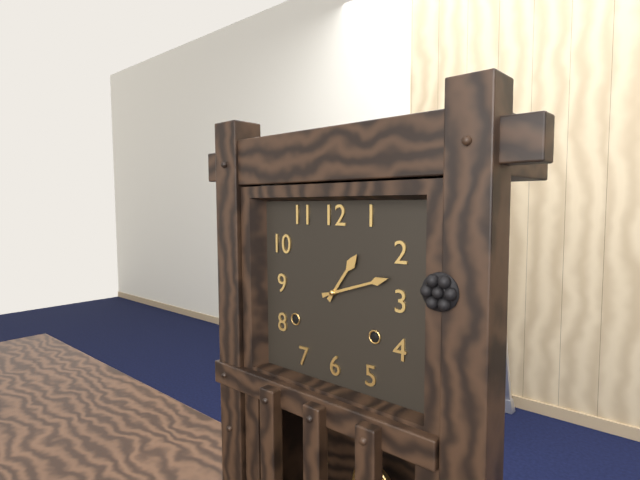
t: h=1 m=12
